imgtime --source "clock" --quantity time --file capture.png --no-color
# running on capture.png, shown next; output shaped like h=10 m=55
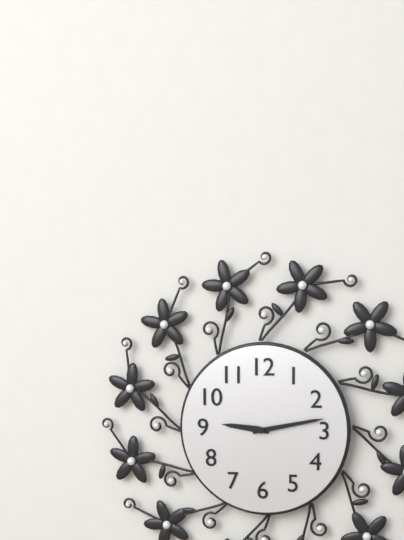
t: h=9 m=13
